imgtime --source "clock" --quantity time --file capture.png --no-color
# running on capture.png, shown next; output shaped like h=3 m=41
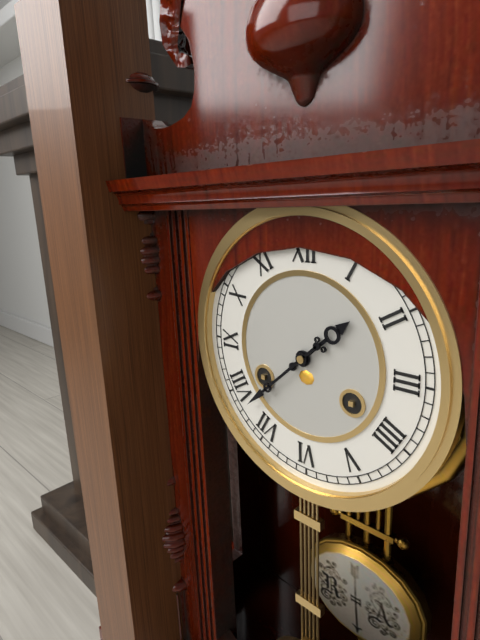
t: h=1 m=38
